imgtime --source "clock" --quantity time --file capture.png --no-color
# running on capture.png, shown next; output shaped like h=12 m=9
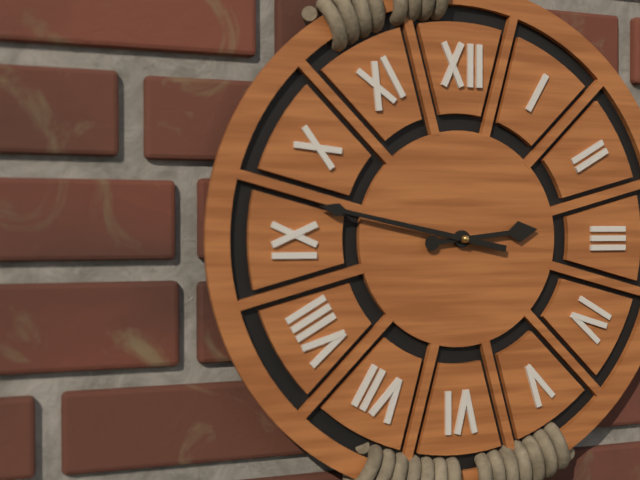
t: h=2 m=47
